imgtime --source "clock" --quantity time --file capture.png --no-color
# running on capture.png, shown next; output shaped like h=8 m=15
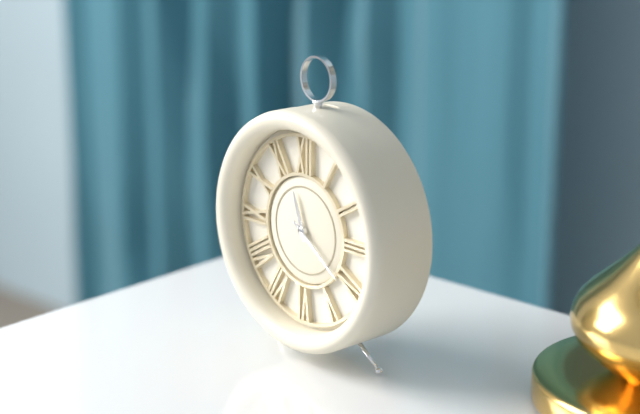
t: h=11 m=21
